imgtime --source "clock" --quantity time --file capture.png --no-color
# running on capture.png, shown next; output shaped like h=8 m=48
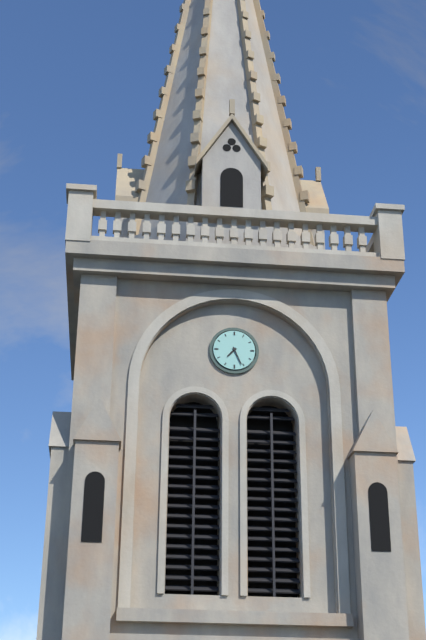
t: h=7 m=26
